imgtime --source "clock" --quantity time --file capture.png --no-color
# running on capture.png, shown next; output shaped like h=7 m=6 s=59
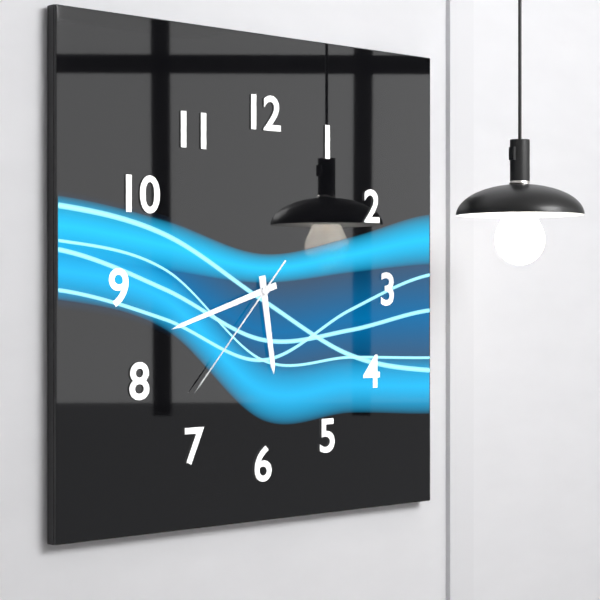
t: h=5 m=42 s=37
